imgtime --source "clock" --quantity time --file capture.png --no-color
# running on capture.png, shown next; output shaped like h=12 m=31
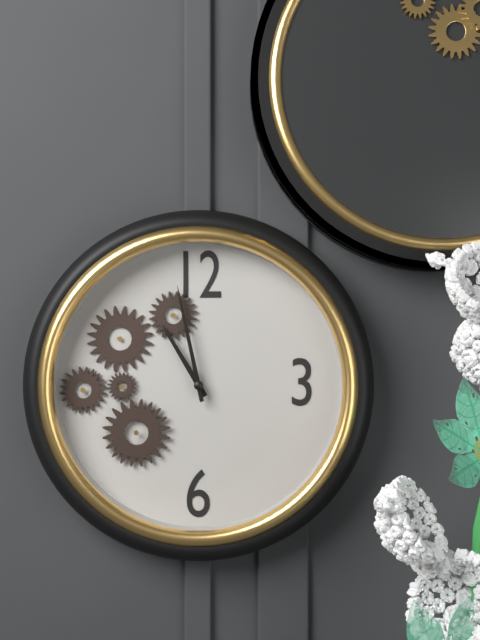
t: h=10 m=58
